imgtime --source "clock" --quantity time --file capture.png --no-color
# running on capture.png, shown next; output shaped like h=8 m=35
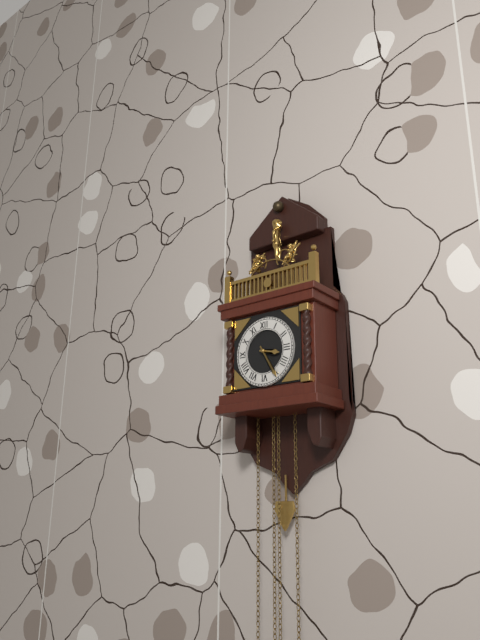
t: h=3 m=25
